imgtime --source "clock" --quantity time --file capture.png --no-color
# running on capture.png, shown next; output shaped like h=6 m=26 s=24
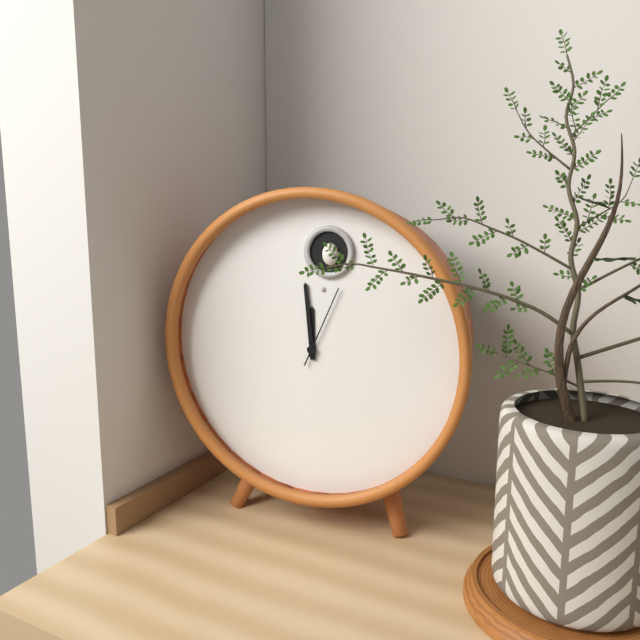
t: h=11 m=59 s=4
